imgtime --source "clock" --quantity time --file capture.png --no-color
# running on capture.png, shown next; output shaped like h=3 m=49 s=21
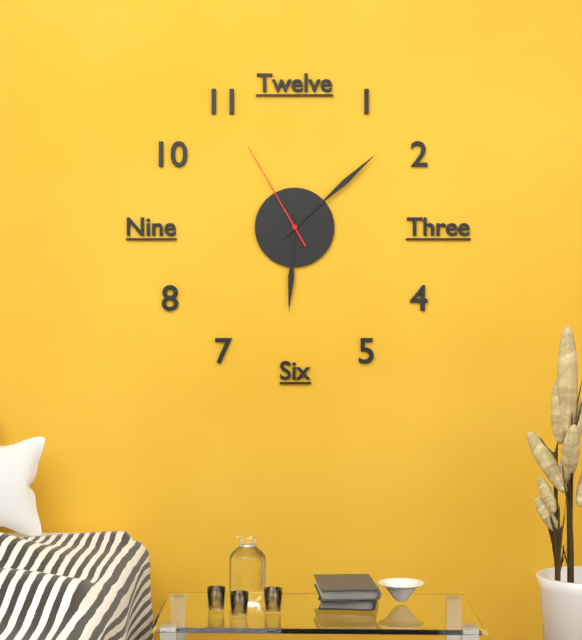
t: h=6 m=8 s=55
